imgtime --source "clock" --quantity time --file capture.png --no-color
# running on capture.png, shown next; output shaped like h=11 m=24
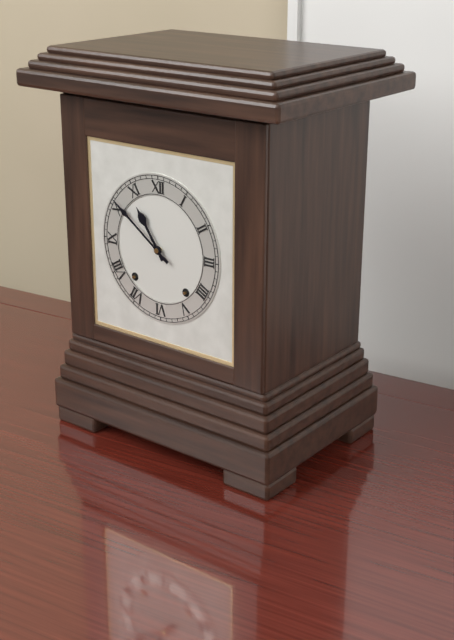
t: h=10 m=51
